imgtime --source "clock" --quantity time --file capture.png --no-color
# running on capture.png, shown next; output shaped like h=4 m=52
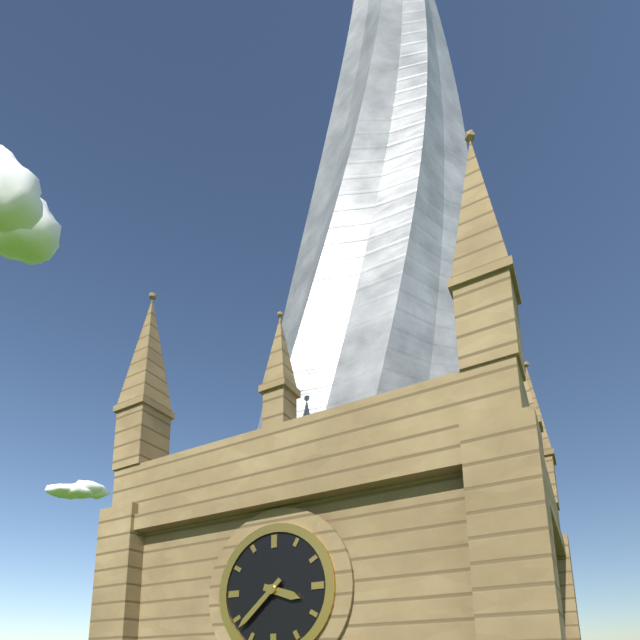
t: h=3 m=38
